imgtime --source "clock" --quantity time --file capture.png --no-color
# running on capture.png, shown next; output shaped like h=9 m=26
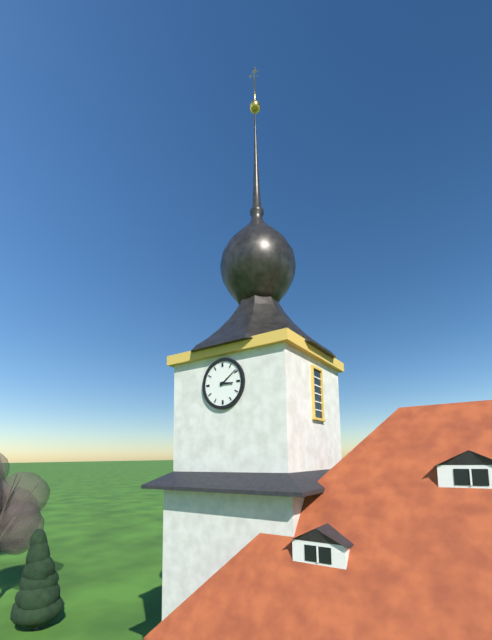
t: h=3 m=9
